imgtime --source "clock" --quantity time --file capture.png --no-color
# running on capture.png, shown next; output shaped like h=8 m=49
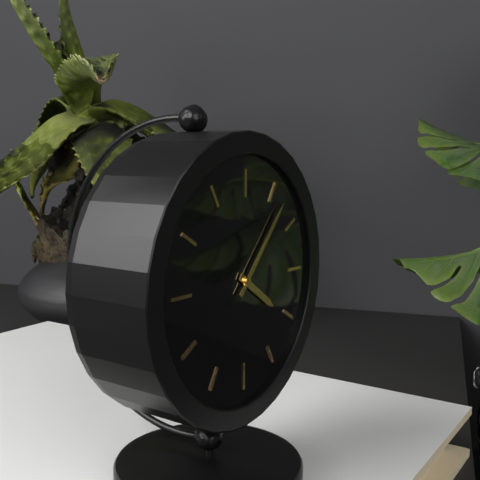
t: h=4 m=7
